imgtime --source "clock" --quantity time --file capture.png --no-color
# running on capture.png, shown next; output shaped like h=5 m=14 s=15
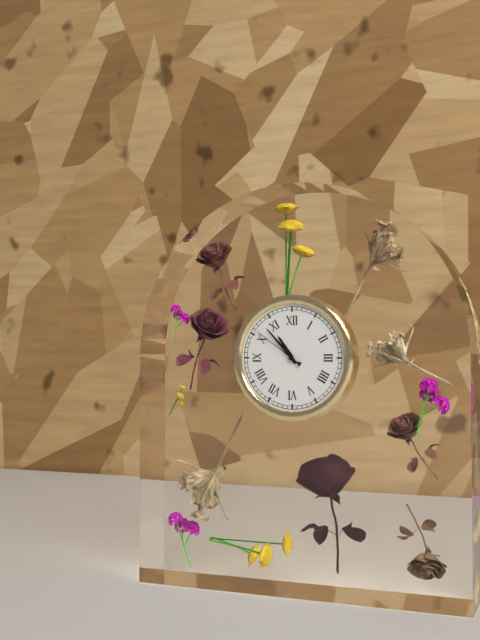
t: h=10 m=53 s=51
